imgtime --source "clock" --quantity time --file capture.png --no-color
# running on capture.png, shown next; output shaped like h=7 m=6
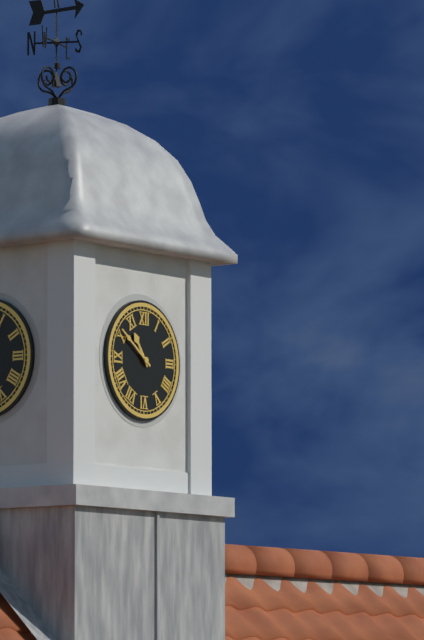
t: h=10 m=51
